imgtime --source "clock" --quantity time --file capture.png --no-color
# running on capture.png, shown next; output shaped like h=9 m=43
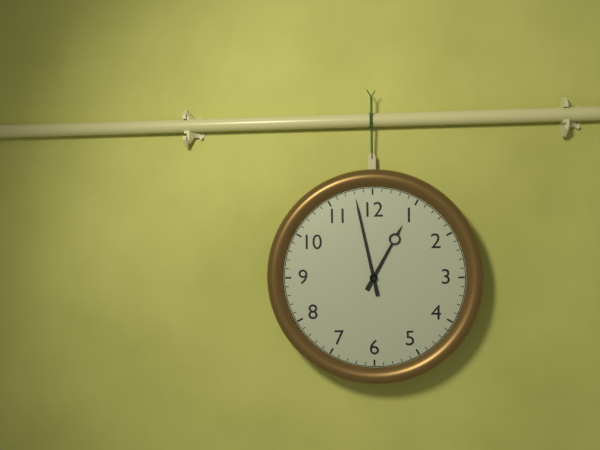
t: h=12 m=58
